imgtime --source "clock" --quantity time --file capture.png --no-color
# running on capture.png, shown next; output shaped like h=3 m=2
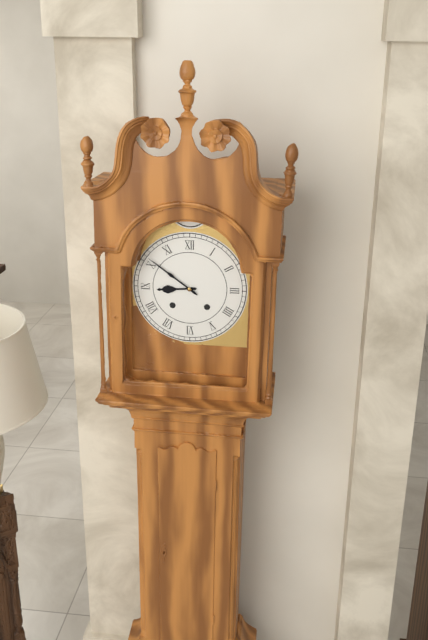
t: h=8 m=51
